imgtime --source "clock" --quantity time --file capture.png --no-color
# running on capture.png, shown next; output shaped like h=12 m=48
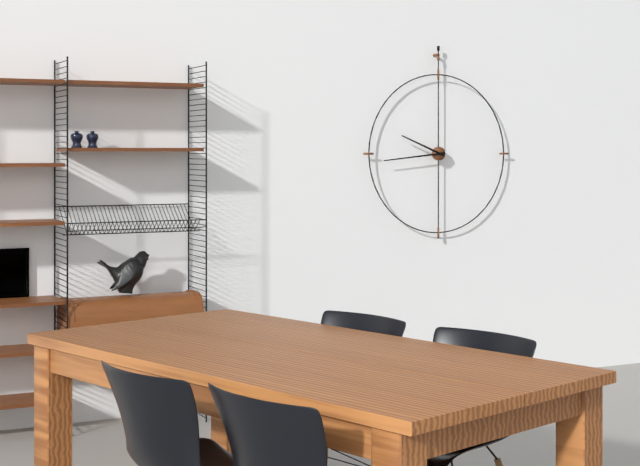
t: h=9 m=44
